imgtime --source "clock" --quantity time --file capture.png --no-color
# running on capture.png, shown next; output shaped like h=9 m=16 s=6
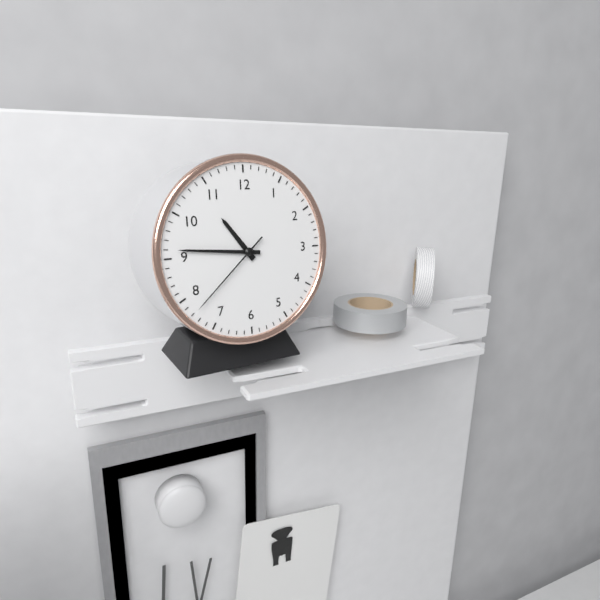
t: h=10 m=46 s=38
